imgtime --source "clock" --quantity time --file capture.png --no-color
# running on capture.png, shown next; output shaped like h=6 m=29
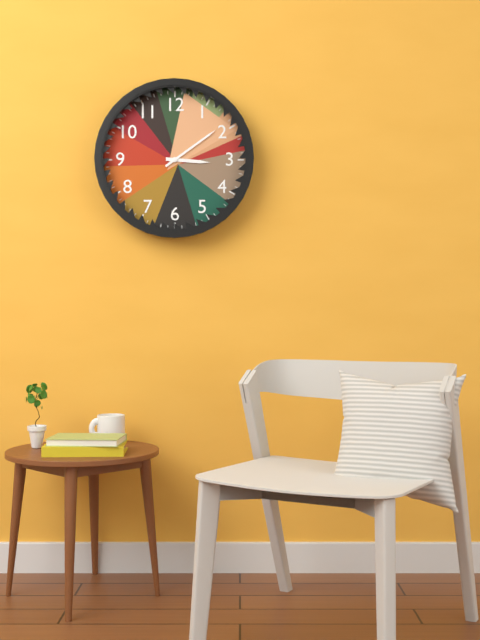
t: h=3 m=9
